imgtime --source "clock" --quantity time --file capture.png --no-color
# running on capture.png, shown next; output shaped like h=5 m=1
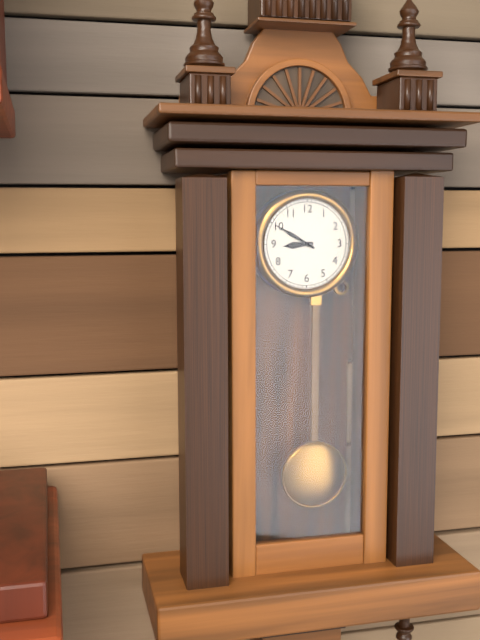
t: h=8 m=50
